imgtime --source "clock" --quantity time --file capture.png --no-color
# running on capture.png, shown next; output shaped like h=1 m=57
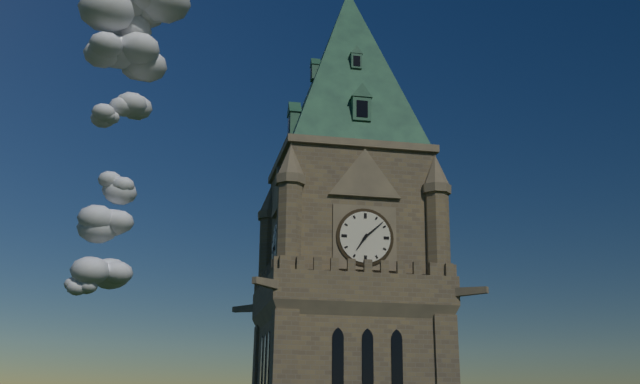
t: h=7 m=8
